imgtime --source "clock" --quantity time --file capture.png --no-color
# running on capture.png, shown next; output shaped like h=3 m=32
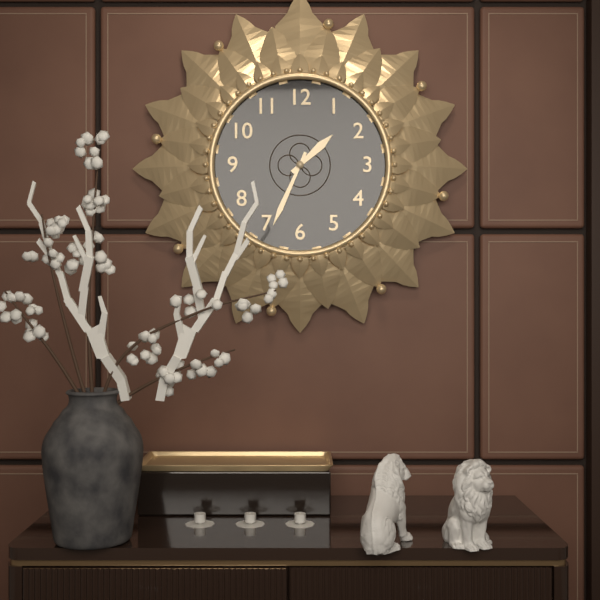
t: h=1 m=34
